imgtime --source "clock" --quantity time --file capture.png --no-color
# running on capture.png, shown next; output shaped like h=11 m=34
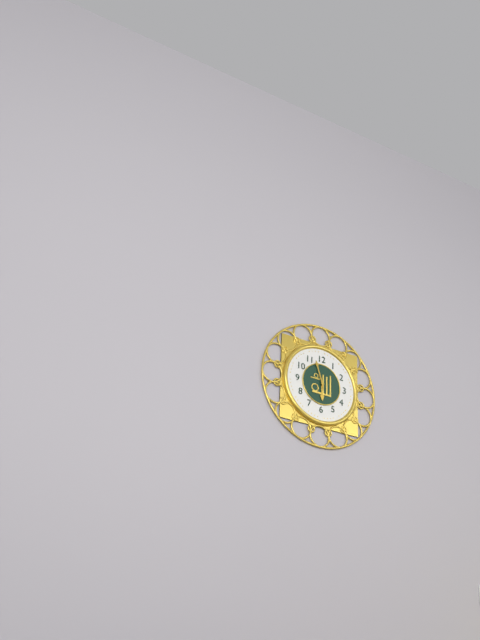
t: h=5 m=57
